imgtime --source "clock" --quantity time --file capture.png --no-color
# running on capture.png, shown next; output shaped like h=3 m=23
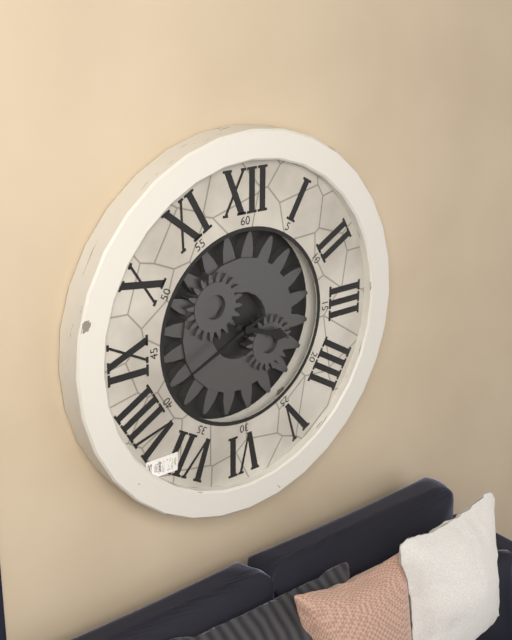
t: h=3 m=41
